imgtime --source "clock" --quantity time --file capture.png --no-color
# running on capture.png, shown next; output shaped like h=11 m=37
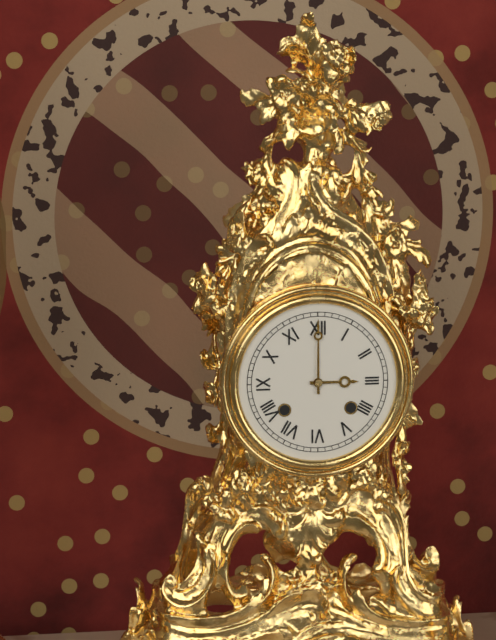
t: h=3 m=0
